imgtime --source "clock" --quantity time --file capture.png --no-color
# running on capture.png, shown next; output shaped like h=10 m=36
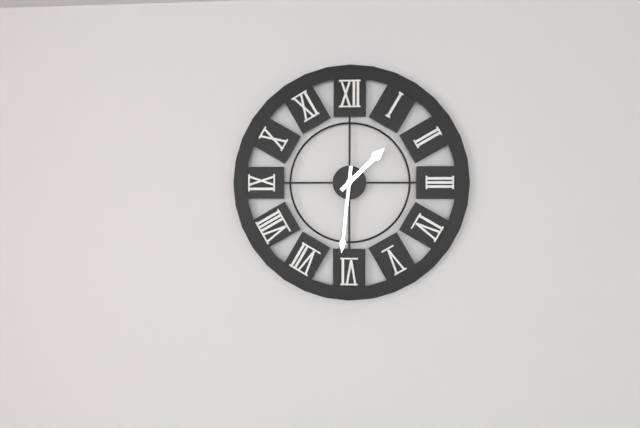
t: h=1 m=31
